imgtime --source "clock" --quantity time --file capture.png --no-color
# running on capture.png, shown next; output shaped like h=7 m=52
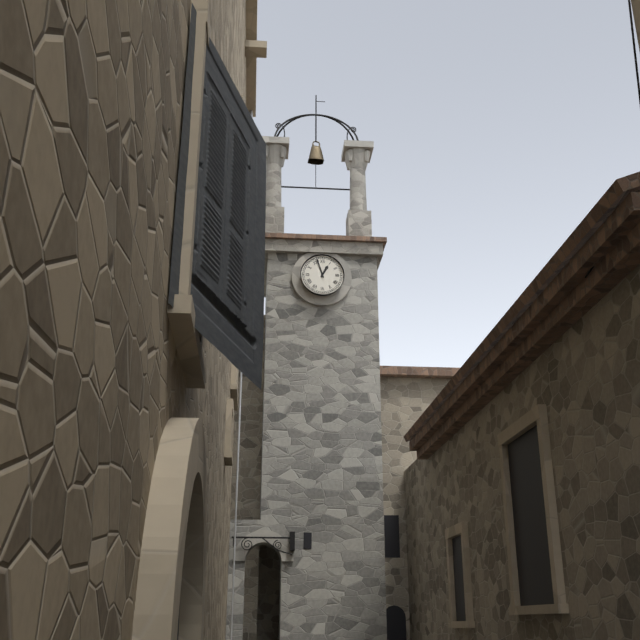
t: h=12 m=57
